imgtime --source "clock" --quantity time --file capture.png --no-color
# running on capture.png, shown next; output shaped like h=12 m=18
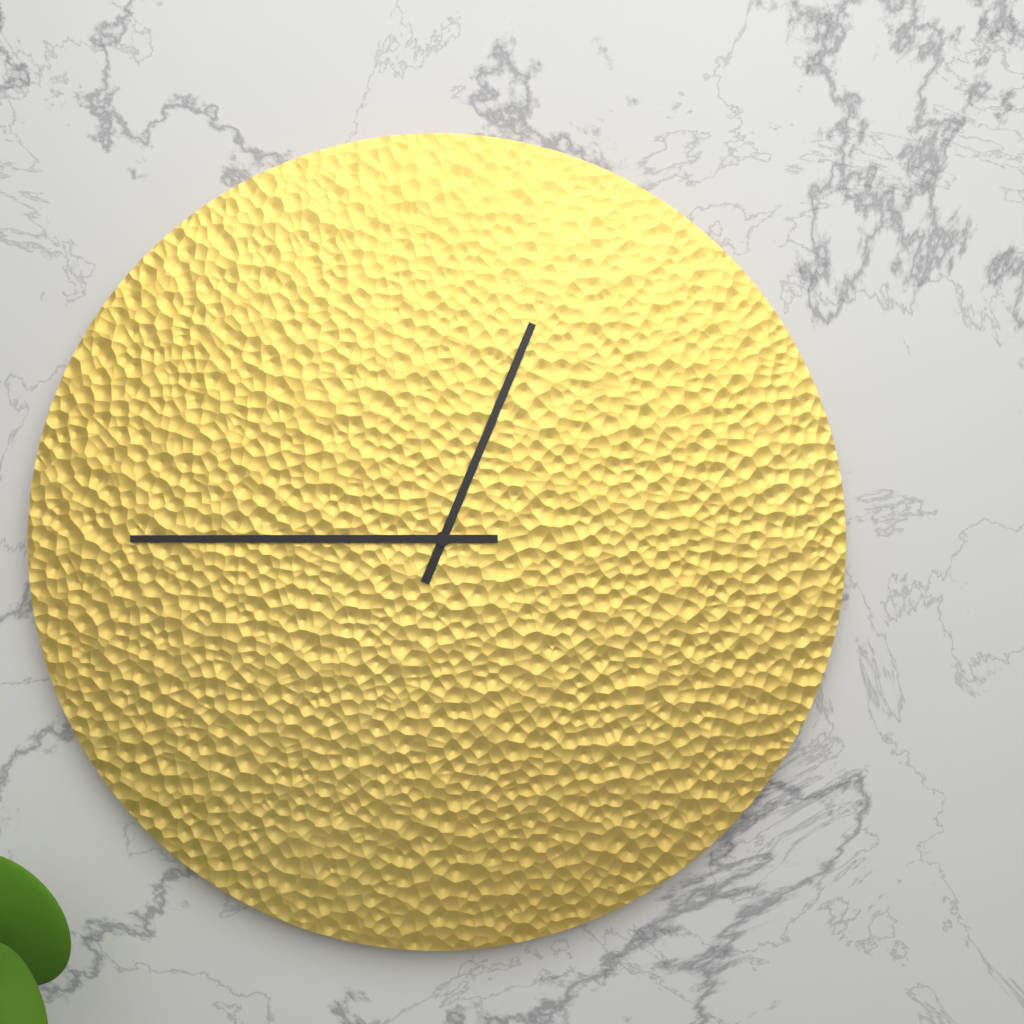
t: h=12 m=45
